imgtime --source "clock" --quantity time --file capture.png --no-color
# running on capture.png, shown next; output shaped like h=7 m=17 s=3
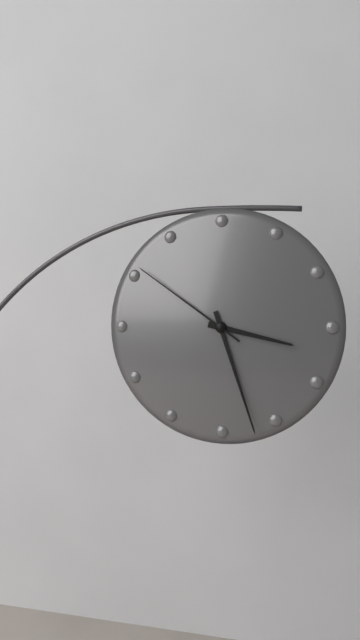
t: h=3 m=27 s=51
